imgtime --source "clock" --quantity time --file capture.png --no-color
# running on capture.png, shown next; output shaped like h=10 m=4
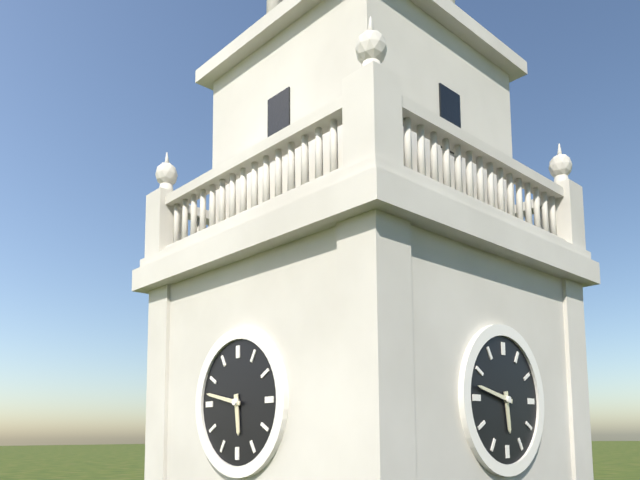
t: h=5 m=47
